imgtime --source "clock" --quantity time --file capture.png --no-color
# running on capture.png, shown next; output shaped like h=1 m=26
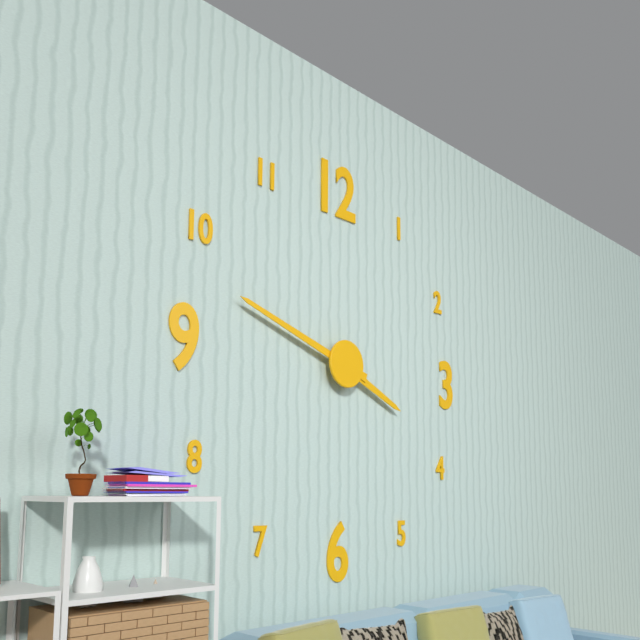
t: h=3 m=48
